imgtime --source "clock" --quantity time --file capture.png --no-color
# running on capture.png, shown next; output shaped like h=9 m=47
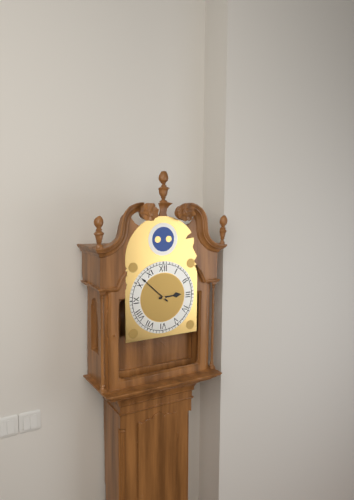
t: h=2 m=52
